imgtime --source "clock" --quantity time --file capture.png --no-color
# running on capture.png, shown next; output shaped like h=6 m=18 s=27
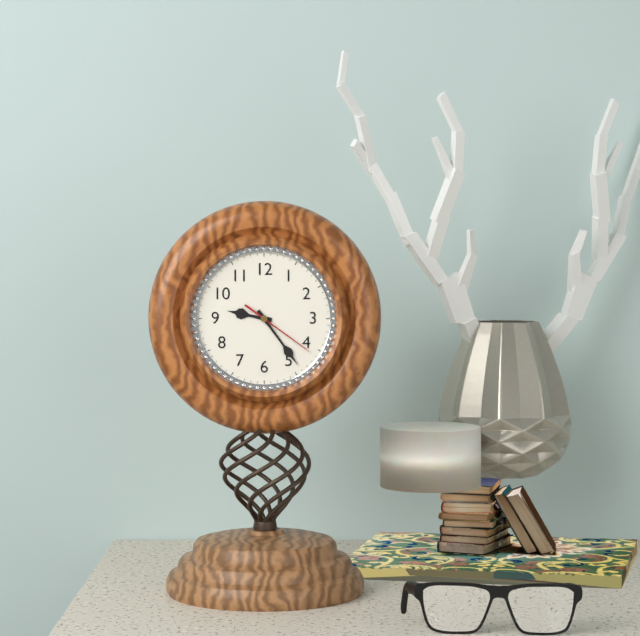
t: h=9 m=24 s=21
